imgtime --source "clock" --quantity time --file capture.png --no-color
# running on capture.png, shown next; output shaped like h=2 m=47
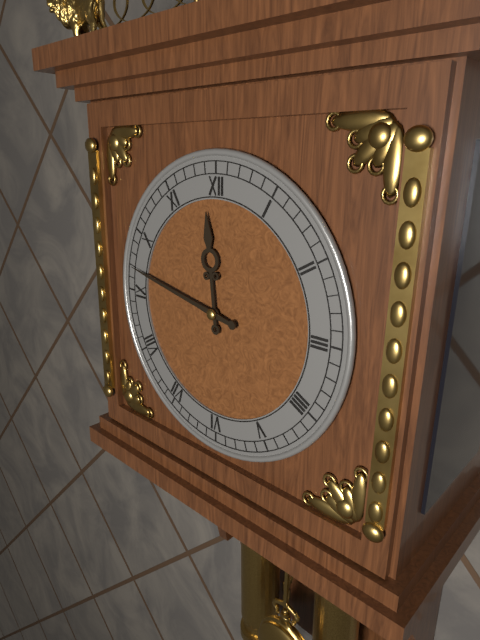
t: h=11 m=47
